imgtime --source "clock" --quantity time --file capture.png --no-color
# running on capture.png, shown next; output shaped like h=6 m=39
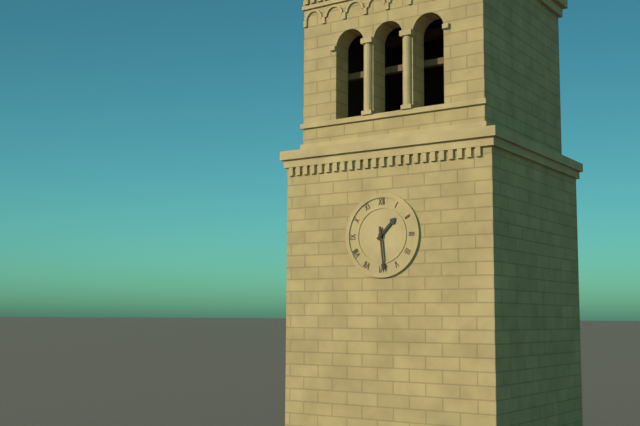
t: h=1 m=29
